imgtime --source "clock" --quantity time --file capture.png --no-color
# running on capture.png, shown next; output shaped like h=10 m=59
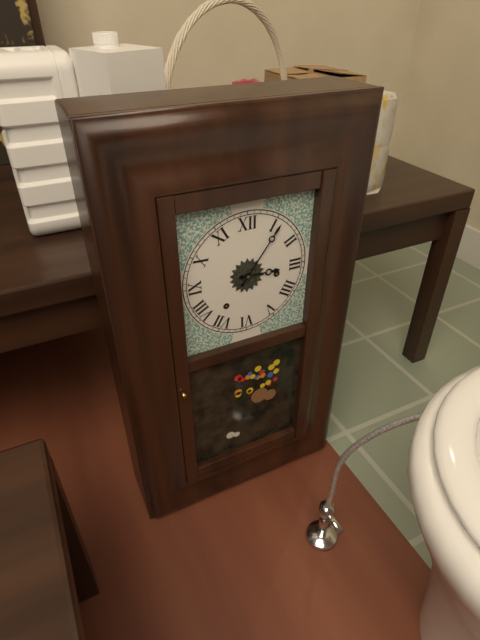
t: h=3 m=6
